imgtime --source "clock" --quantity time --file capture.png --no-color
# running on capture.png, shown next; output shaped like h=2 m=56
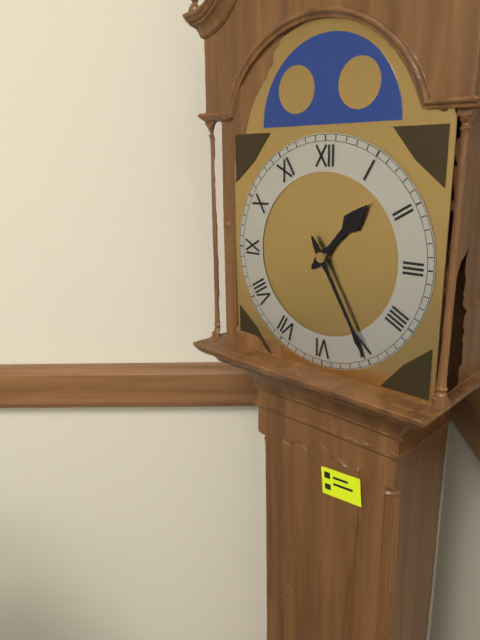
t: h=1 m=25
